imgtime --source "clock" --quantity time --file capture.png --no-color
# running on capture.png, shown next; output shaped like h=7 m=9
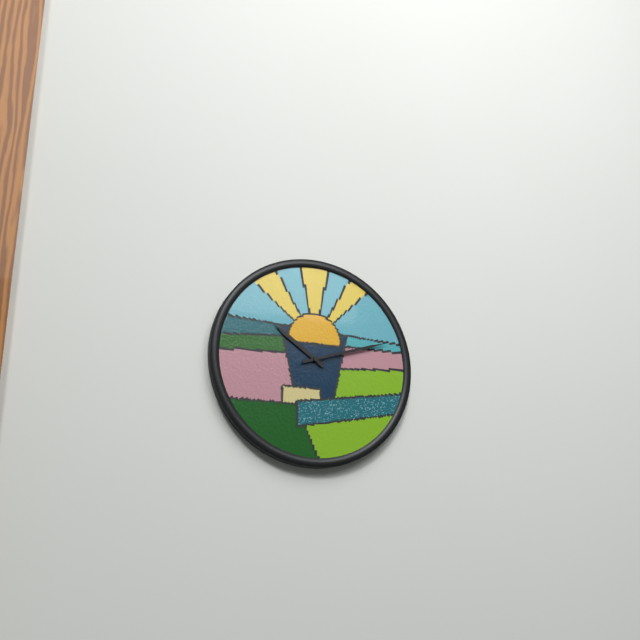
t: h=10 m=12
